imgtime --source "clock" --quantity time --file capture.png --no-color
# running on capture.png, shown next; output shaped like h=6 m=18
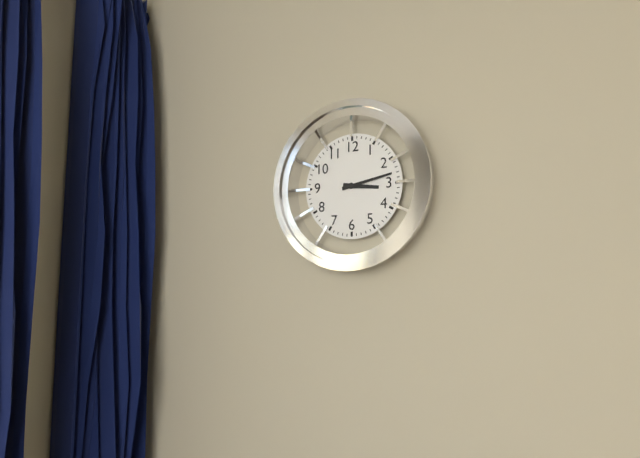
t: h=3 m=13
